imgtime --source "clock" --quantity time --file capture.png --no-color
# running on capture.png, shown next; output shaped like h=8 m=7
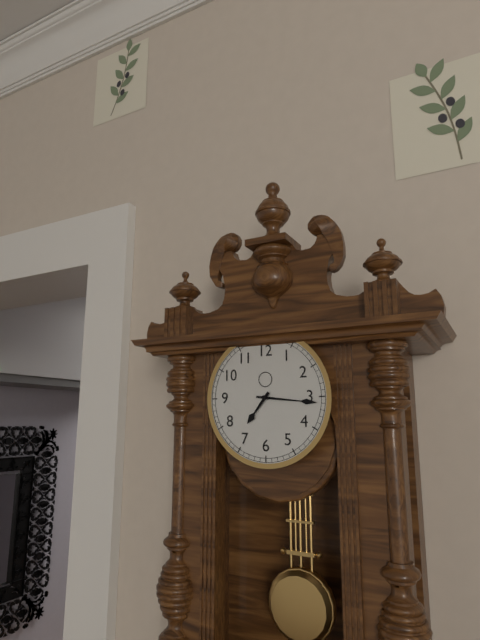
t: h=7 m=16
